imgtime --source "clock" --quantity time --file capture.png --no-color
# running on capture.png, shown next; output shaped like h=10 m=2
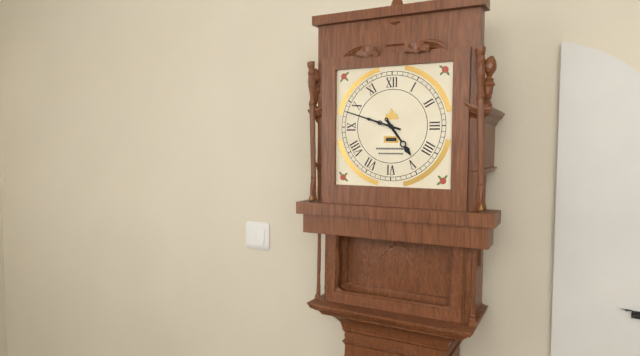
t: h=4 m=48
